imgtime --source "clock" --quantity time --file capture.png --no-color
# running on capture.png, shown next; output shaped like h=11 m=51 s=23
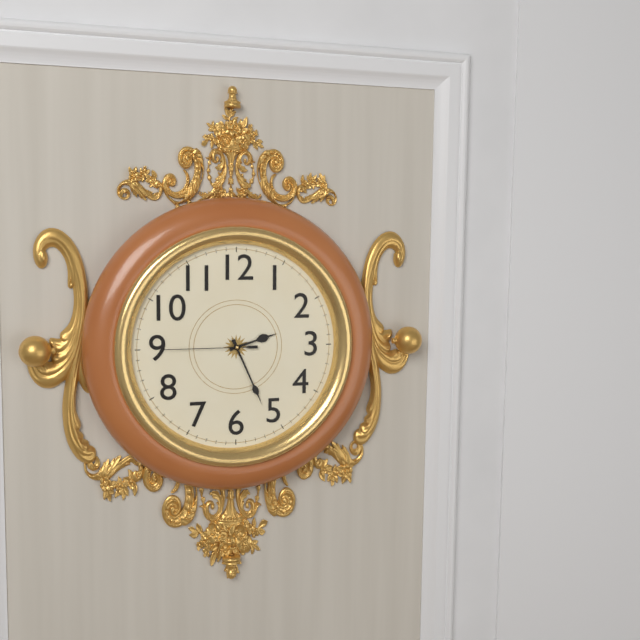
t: h=2 m=26 s=45
